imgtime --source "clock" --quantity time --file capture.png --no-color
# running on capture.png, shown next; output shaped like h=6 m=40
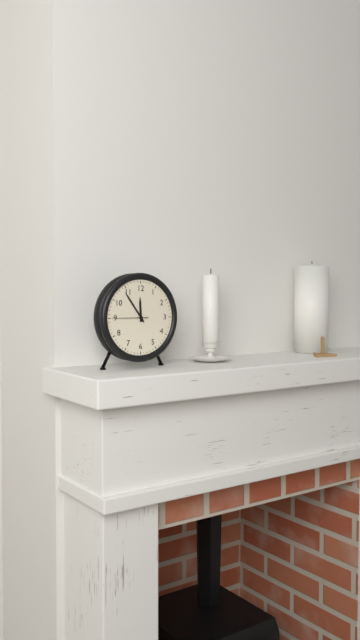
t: h=11 m=54
